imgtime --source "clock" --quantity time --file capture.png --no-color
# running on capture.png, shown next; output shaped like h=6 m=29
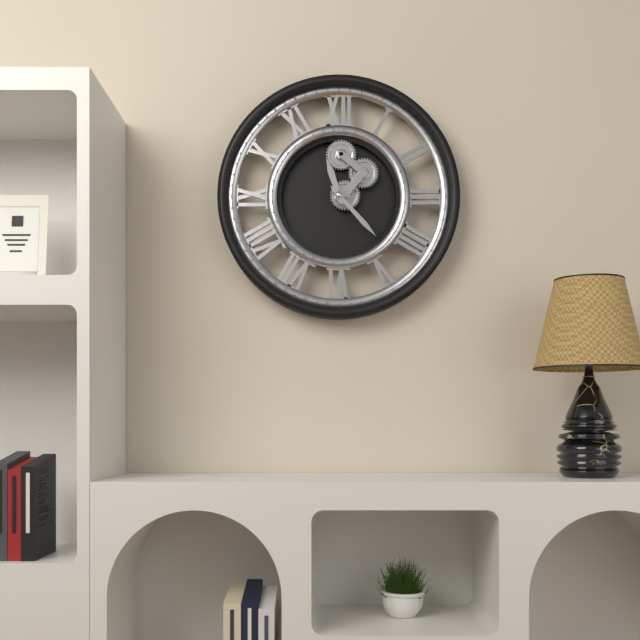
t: h=11 m=23
